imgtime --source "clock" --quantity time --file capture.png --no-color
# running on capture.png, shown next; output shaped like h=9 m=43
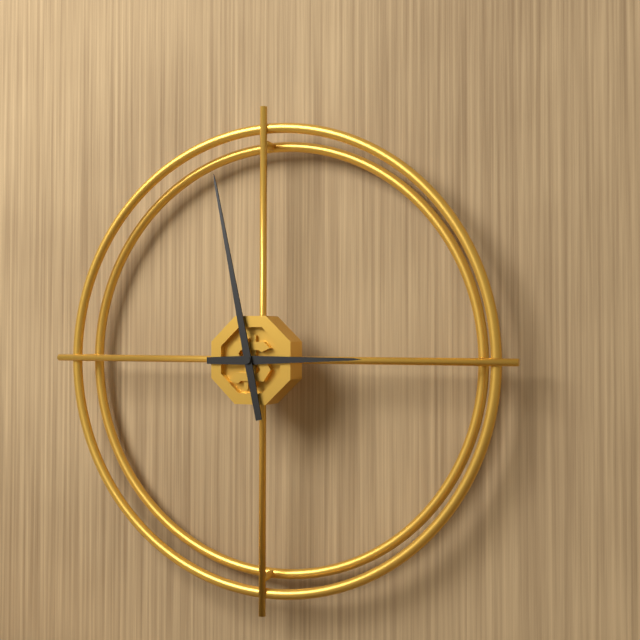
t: h=2 m=58
